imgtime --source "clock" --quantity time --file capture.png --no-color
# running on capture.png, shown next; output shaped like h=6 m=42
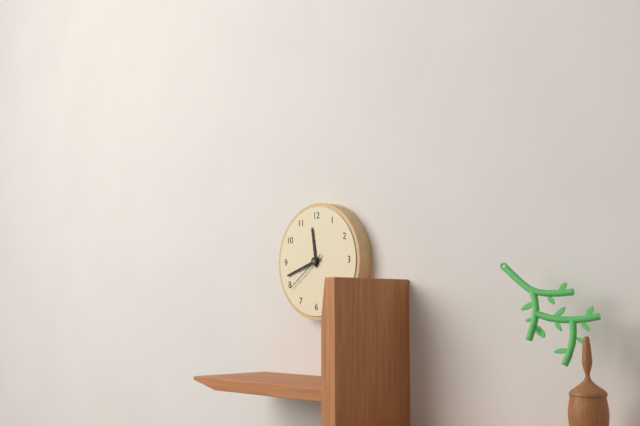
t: h=11 m=42
